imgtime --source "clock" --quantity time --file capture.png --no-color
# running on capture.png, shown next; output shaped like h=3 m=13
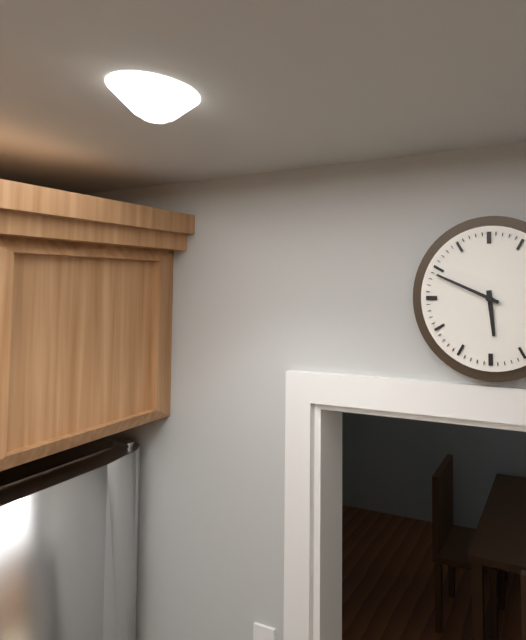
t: h=5 m=49
